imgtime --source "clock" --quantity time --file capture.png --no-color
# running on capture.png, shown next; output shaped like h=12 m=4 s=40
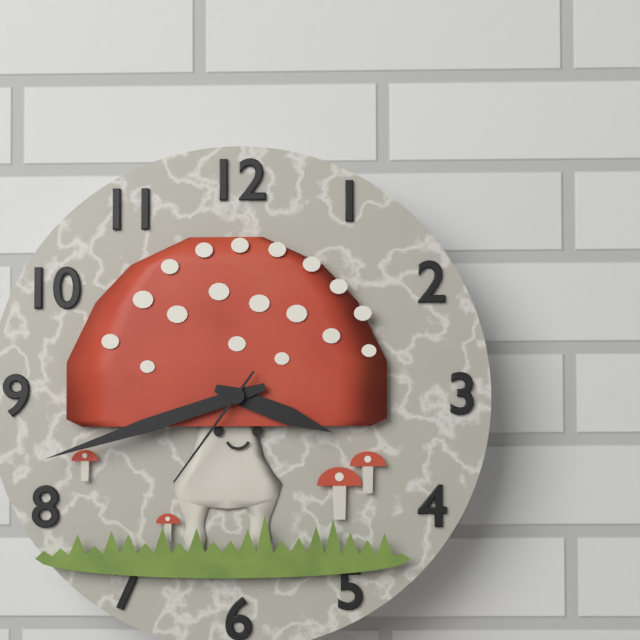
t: h=3 m=42 s=36
